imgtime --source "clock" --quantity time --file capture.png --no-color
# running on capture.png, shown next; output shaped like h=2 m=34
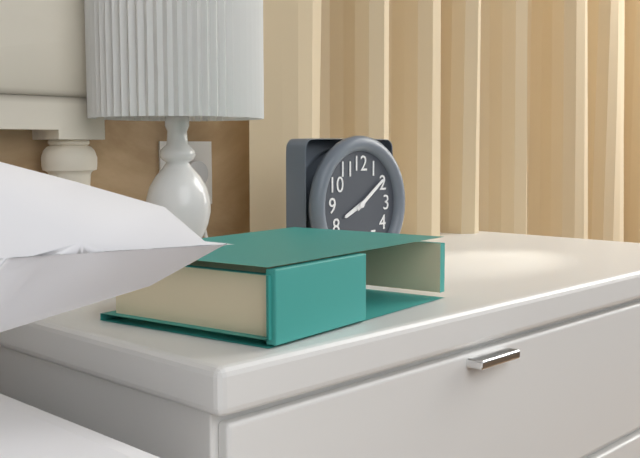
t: h=8 m=9
